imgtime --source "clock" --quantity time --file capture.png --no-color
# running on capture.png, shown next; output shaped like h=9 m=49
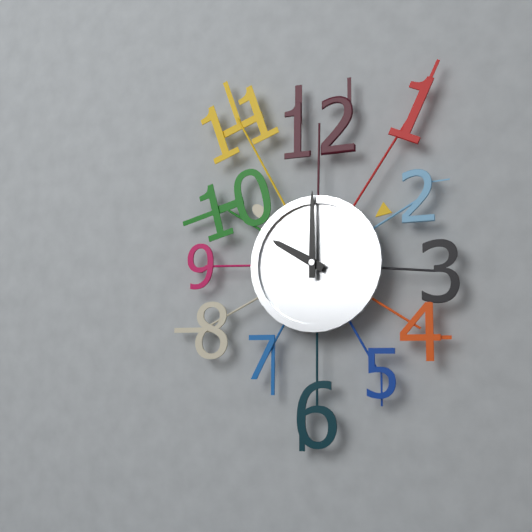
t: h=10 m=0
